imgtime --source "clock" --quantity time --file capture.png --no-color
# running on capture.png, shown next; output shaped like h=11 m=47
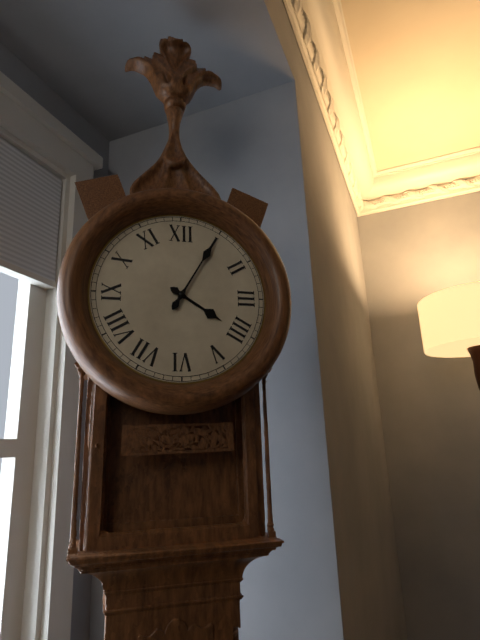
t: h=4 m=5
